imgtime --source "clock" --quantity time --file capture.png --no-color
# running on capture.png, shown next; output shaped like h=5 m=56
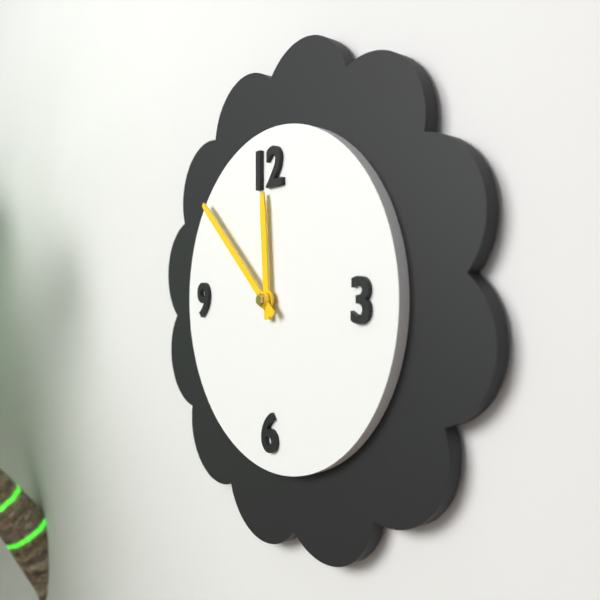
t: h=11 m=52
